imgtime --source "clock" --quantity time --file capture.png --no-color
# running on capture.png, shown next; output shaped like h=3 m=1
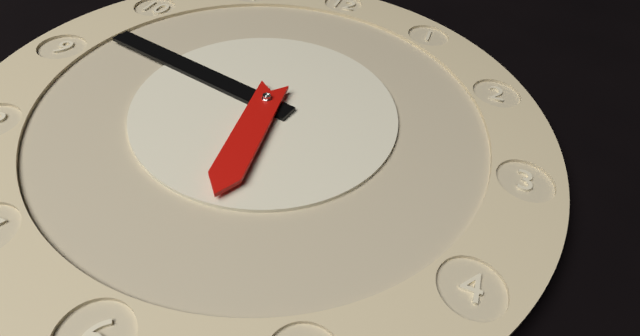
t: h=5 m=47
